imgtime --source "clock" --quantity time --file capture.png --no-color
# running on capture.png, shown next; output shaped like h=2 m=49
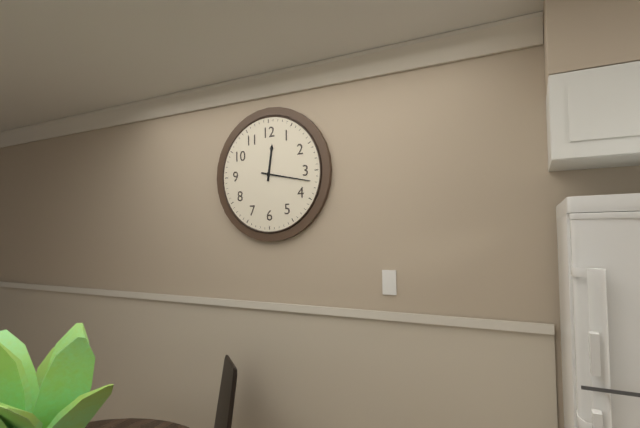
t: h=12 m=17
